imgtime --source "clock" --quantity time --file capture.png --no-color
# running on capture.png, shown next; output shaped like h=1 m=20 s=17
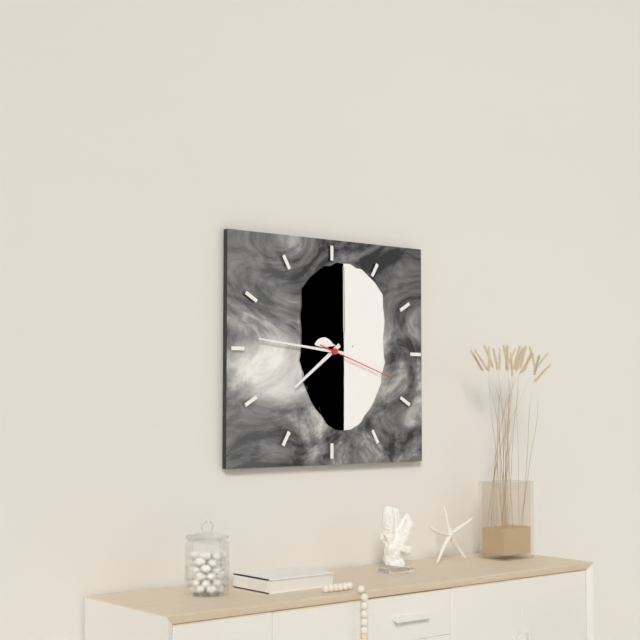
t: h=7 m=46 s=18
